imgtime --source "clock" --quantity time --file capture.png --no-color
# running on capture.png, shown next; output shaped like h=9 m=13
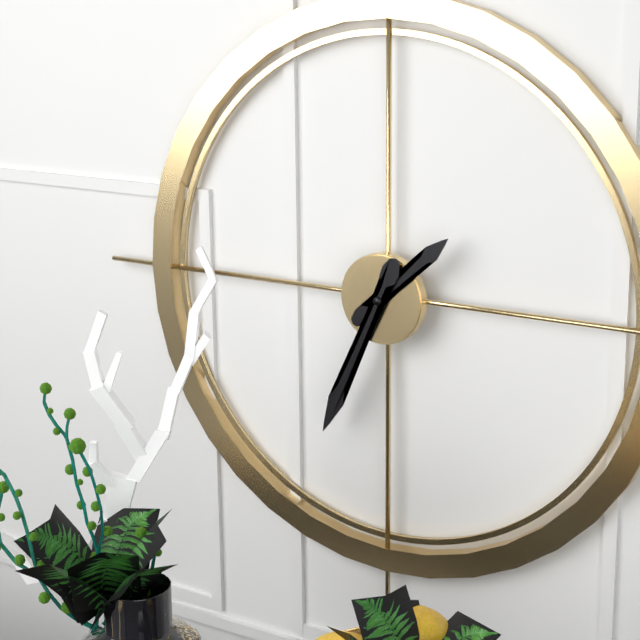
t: h=1 m=34
